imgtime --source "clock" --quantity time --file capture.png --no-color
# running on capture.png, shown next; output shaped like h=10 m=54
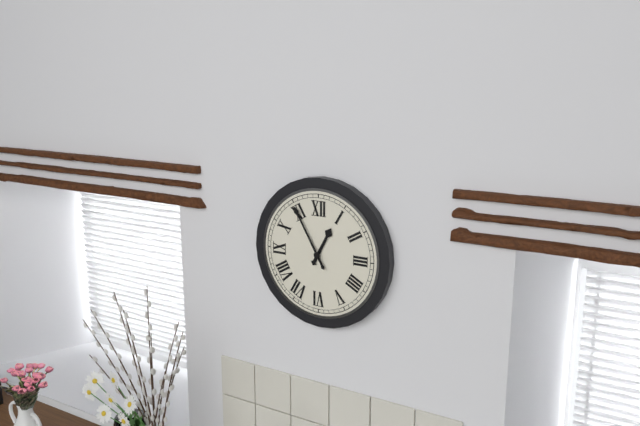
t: h=12 m=55
